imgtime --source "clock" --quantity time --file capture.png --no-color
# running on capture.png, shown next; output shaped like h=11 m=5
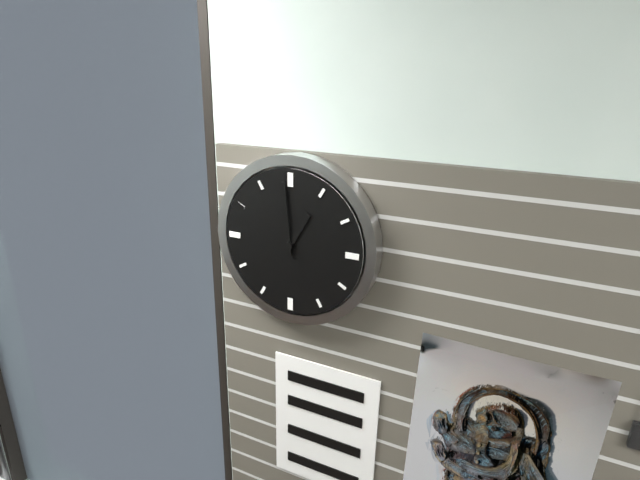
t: h=12 m=59
